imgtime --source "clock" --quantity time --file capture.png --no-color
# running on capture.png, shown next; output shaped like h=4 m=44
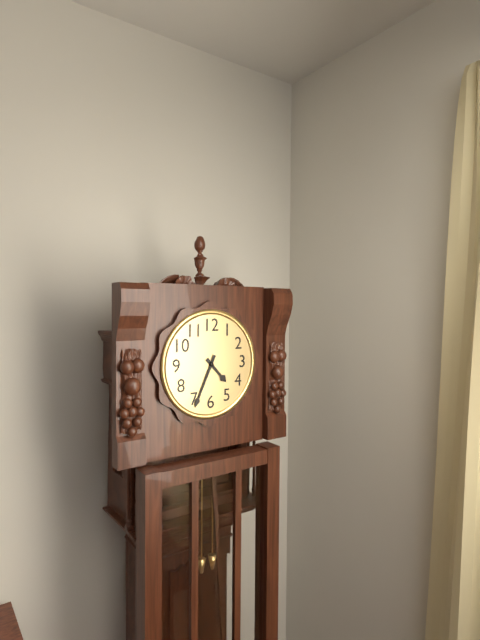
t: h=4 m=34
